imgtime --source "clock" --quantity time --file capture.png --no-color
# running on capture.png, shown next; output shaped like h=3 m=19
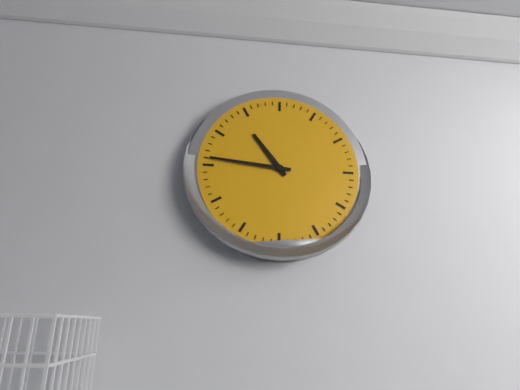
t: h=10 m=46
